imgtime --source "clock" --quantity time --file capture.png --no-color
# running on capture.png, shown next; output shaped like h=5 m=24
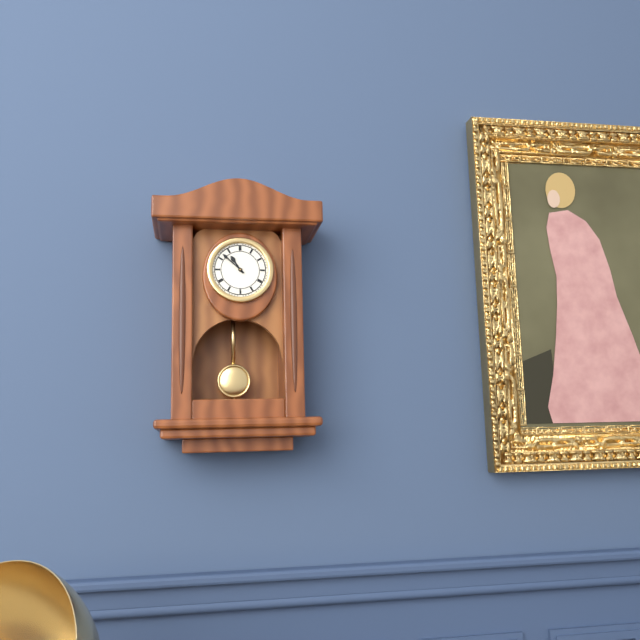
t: h=10 m=52
